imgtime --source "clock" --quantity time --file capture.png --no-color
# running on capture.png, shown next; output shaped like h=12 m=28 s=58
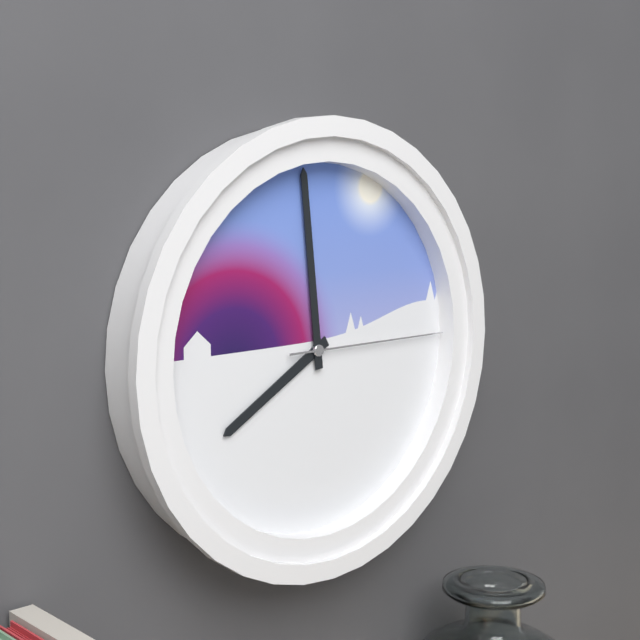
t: h=7 m=59 s=15
